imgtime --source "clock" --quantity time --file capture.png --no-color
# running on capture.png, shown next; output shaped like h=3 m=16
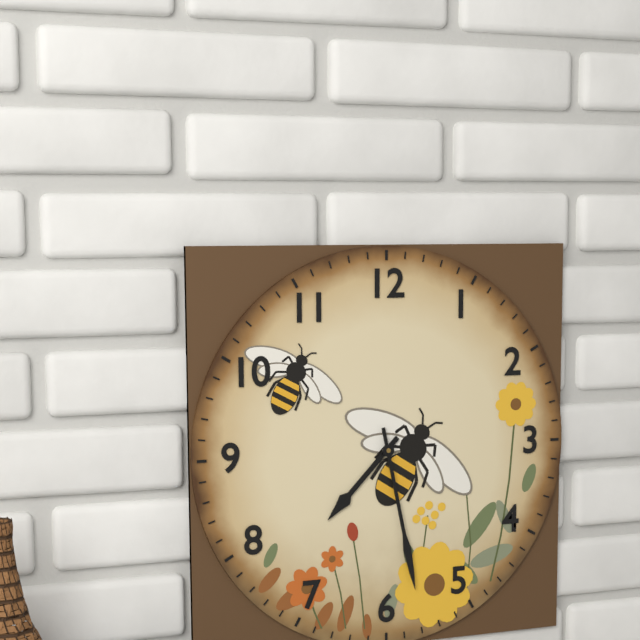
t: h=7 m=28
